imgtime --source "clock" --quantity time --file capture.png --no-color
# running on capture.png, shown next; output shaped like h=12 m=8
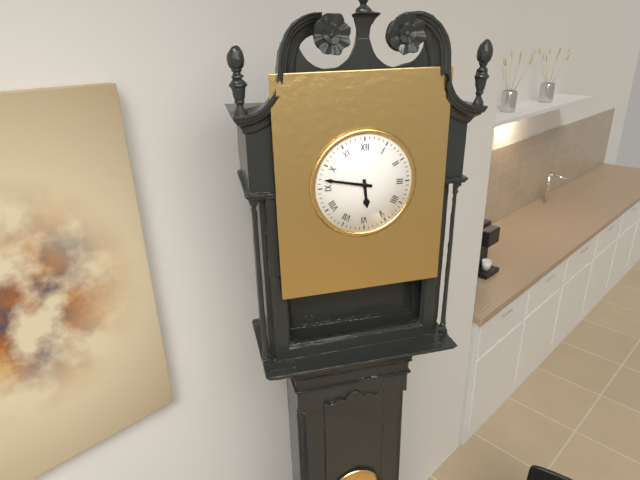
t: h=5 m=47
